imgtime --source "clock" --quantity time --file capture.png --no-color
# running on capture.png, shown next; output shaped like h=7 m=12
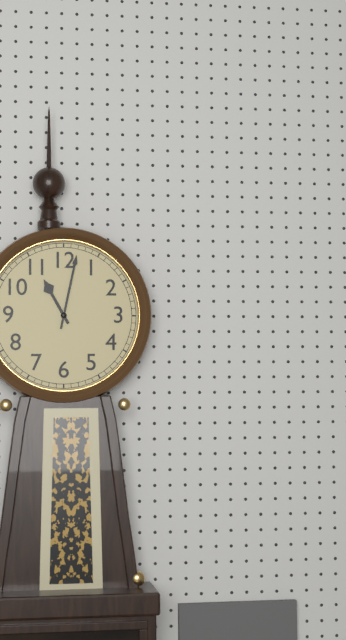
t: h=11 m=2
